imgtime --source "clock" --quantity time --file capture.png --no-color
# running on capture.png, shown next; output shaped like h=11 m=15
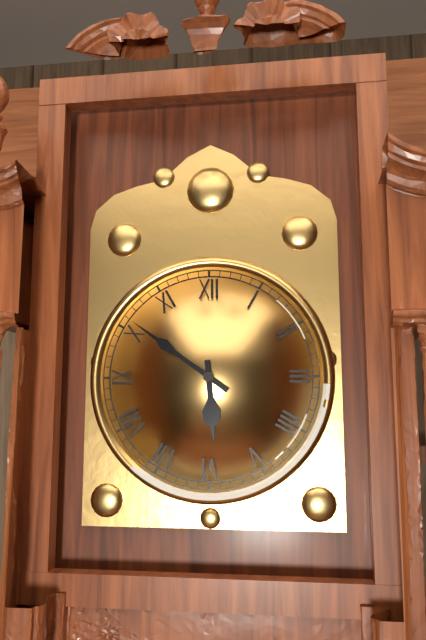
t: h=5 m=51
